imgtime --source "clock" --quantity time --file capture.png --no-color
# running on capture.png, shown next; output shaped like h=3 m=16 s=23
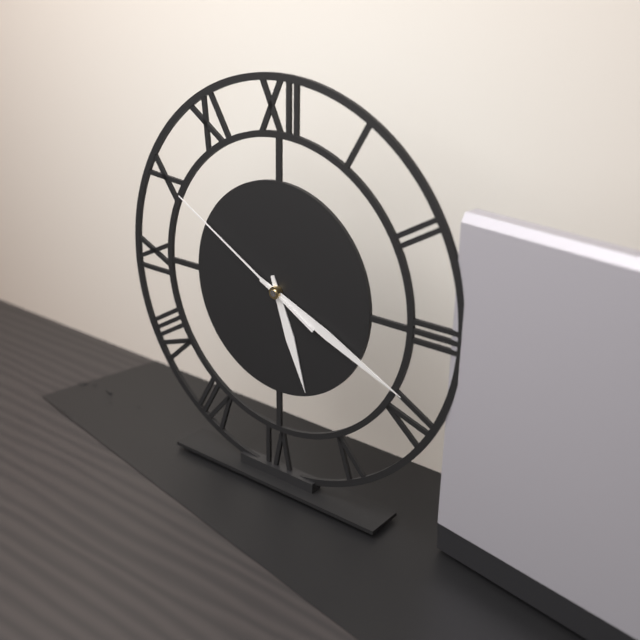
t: h=5 m=19 s=50
